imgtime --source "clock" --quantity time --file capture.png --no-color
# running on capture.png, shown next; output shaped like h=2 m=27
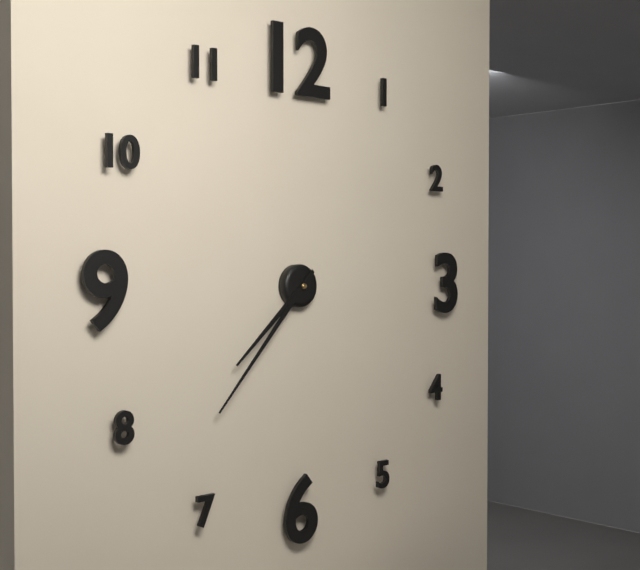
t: h=7 m=37
